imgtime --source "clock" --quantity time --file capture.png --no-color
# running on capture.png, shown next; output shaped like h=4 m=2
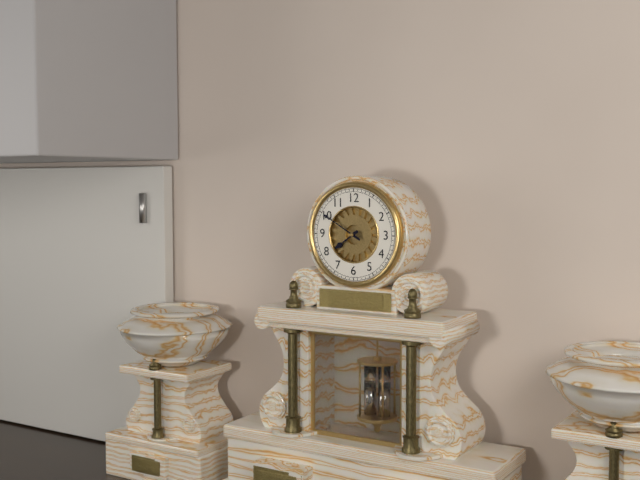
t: h=7 m=50
